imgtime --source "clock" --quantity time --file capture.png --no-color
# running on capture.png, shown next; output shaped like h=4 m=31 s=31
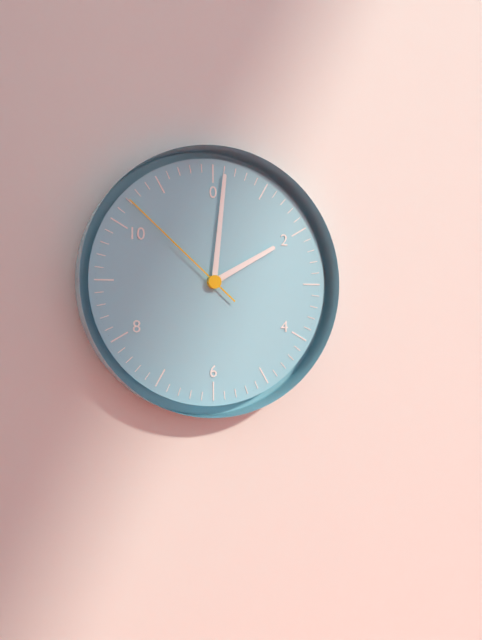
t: h=2 m=1 s=52
